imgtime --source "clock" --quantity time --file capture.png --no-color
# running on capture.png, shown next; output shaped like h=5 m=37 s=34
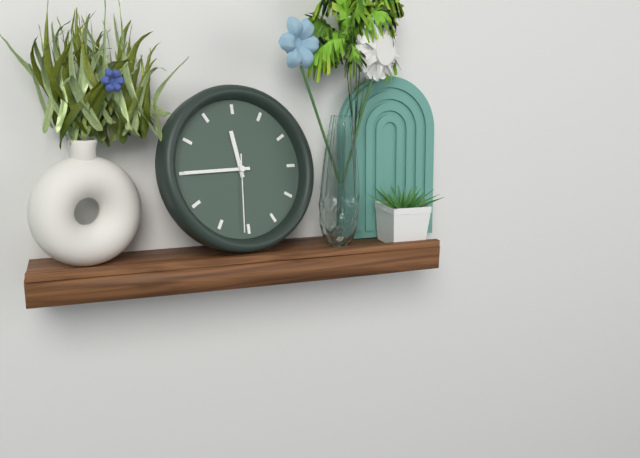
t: h=11 m=45 s=31
